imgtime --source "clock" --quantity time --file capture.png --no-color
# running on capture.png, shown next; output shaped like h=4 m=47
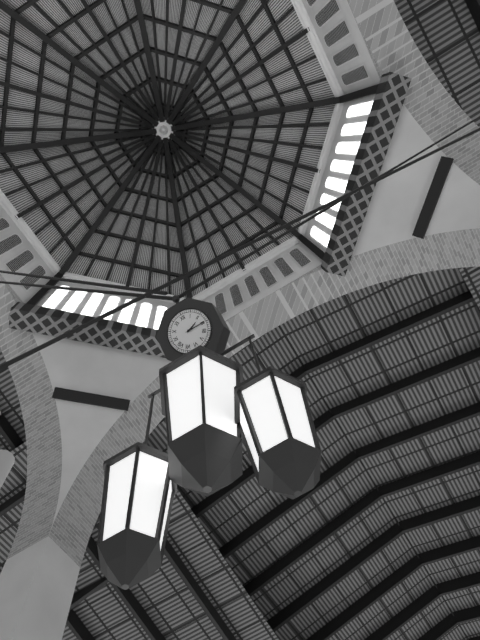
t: h=2 m=15
